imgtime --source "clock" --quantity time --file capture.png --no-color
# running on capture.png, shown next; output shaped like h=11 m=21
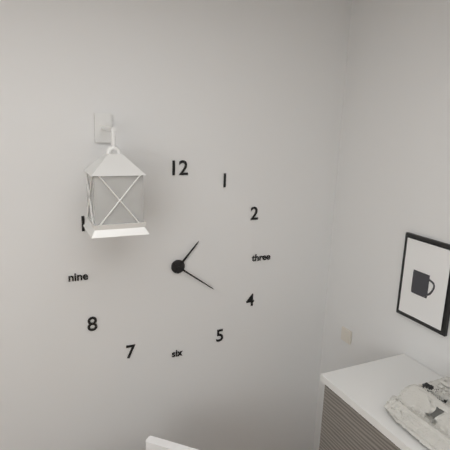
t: h=1 m=21
